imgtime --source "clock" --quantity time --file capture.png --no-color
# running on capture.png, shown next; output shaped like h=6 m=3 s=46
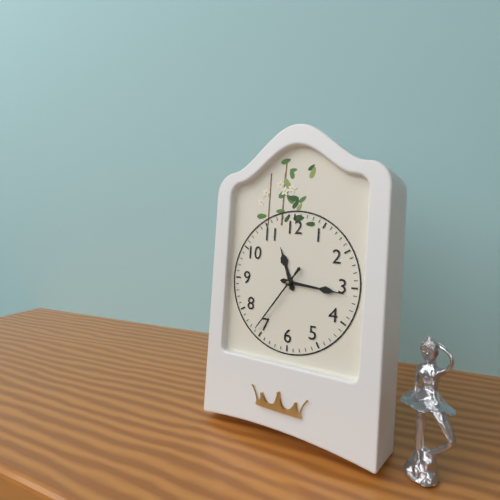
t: h=11 m=16 s=36
